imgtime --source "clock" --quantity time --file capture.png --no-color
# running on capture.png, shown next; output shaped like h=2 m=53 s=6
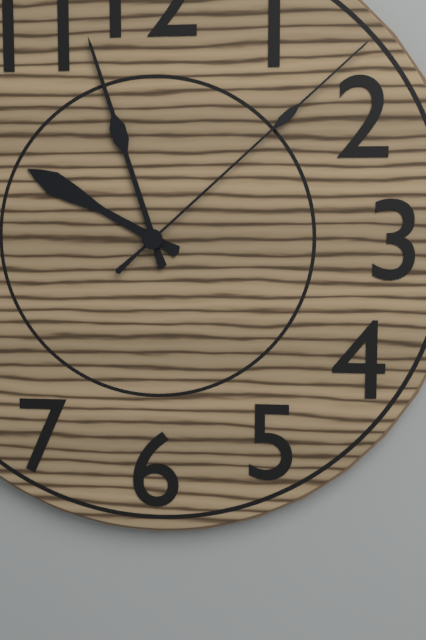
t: h=9 m=57 s=8
